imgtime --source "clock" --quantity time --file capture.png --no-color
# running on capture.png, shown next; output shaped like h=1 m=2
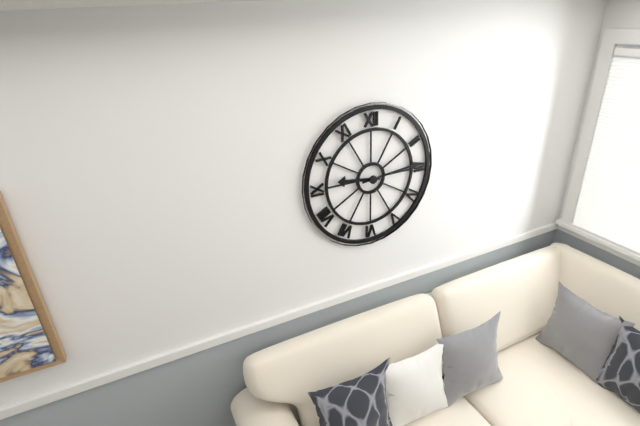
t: h=9 m=14
